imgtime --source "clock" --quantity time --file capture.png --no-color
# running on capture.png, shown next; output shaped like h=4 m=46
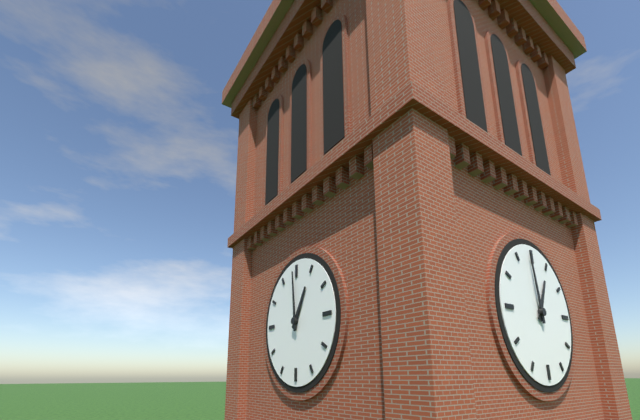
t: h=12 m=59
